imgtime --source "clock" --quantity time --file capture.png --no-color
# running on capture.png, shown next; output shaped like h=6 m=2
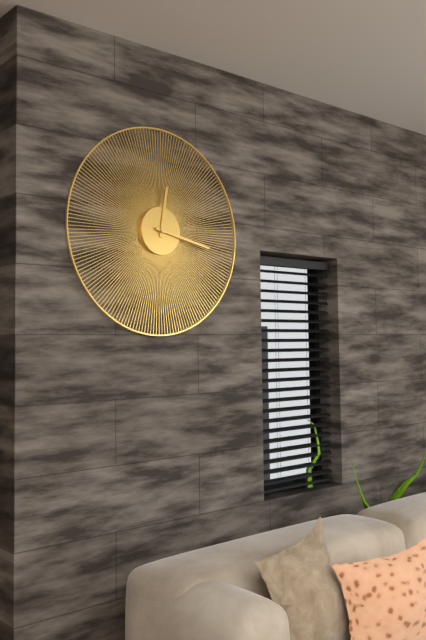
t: h=12 m=17
